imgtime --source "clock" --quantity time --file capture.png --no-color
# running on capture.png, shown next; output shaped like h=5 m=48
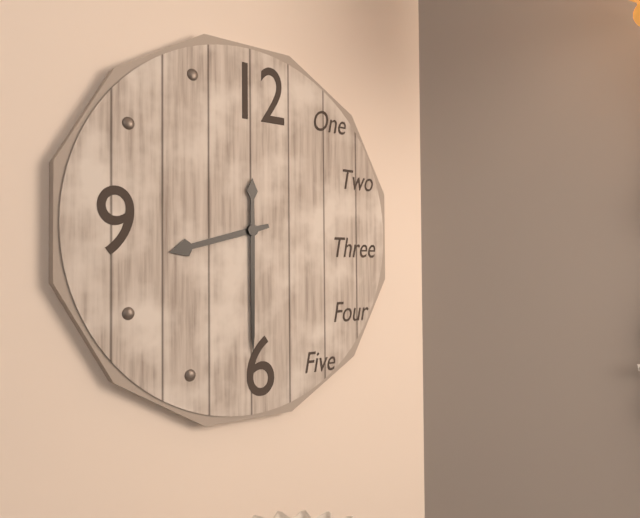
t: h=8 m=30
